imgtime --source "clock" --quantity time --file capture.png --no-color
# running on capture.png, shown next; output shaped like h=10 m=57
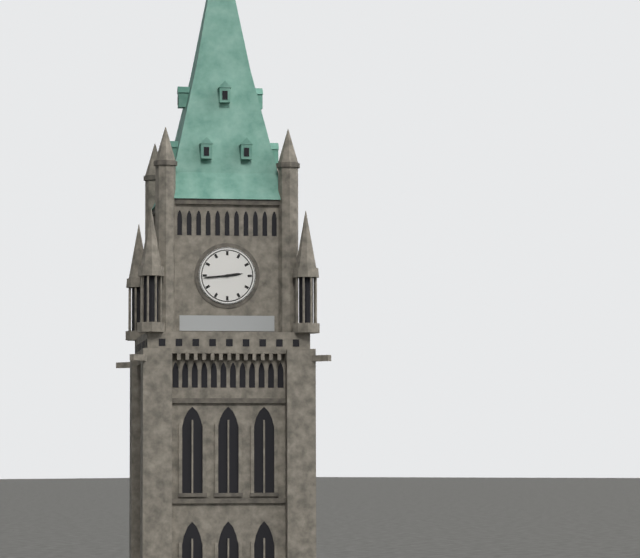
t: h=2 m=44
